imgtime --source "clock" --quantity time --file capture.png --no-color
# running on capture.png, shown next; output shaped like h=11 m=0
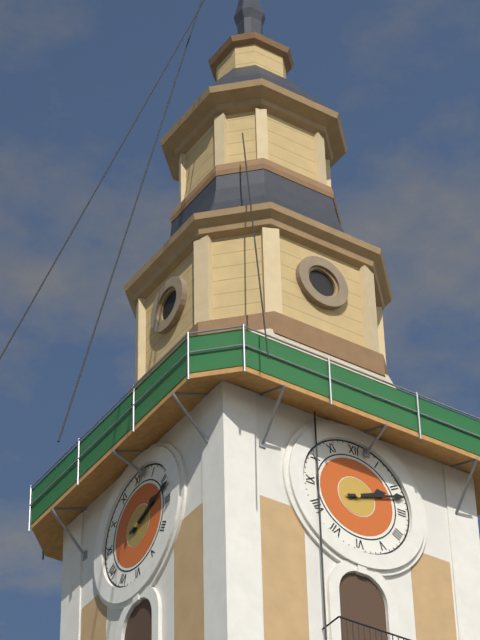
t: h=2 m=12
